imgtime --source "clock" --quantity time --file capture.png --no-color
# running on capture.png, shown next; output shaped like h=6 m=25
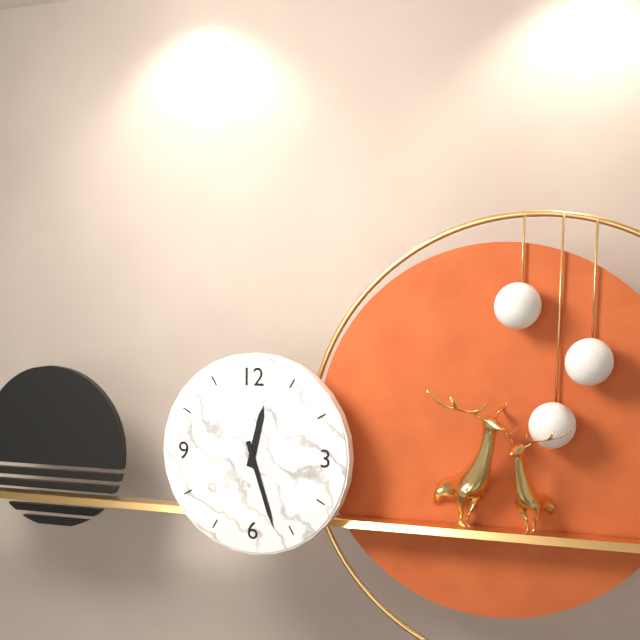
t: h=12 m=27
